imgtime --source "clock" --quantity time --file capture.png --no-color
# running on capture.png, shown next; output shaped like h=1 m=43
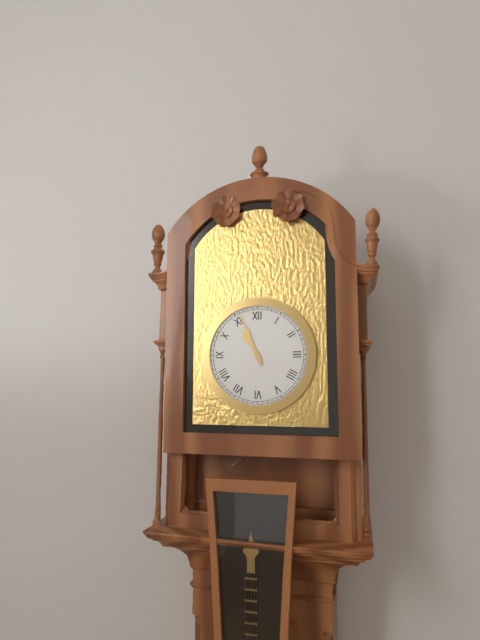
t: h=10 m=56
